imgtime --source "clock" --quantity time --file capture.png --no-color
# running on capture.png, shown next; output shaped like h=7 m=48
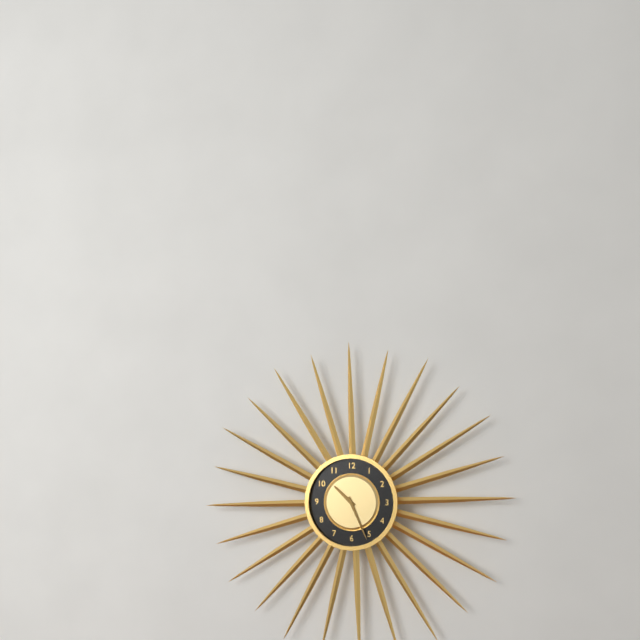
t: h=10 m=26
